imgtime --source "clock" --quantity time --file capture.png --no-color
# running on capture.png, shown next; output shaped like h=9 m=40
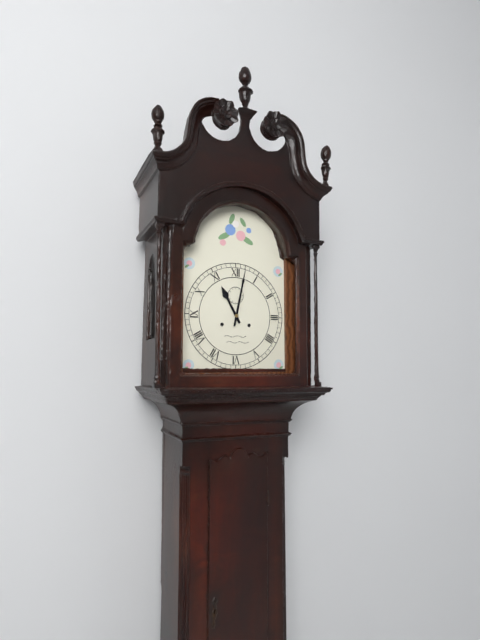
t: h=11 m=2
